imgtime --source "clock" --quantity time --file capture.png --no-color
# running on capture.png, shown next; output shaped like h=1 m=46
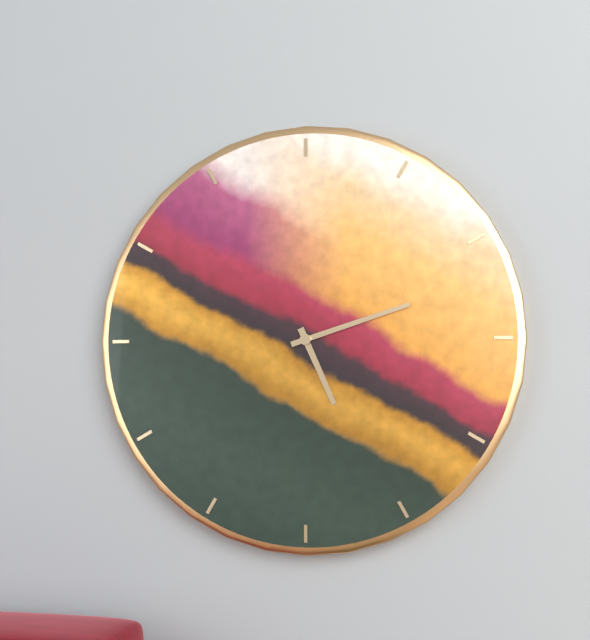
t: h=5 m=12
